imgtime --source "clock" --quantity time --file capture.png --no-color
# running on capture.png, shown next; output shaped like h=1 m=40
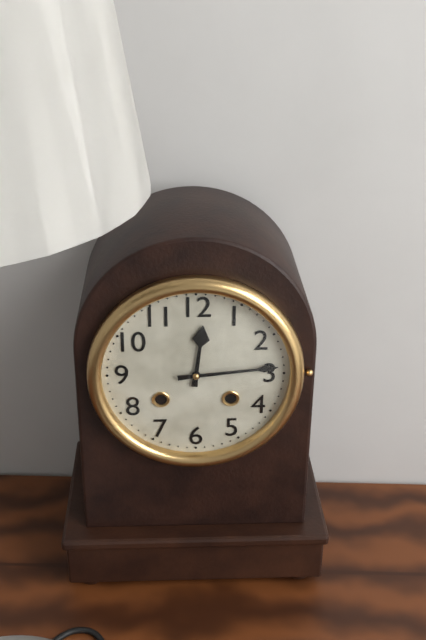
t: h=12 m=14
